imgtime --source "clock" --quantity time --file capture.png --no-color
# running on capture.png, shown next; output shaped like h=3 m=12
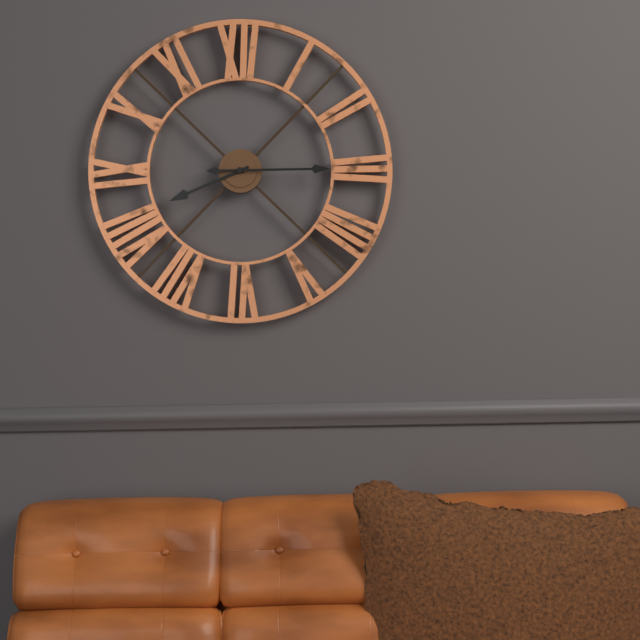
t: h=8 m=15
